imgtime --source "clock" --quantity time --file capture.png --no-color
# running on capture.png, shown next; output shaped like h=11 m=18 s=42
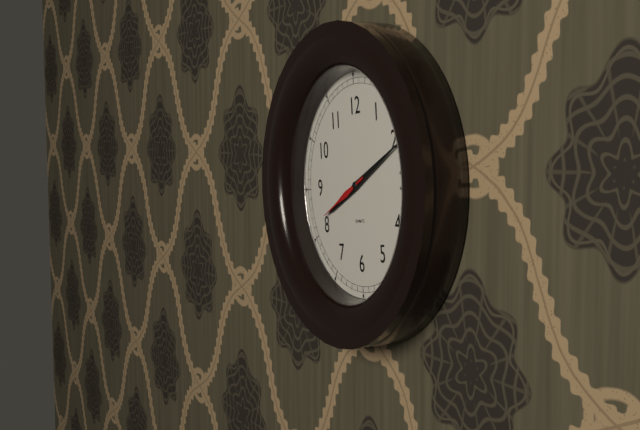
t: h=8 m=11 s=41
